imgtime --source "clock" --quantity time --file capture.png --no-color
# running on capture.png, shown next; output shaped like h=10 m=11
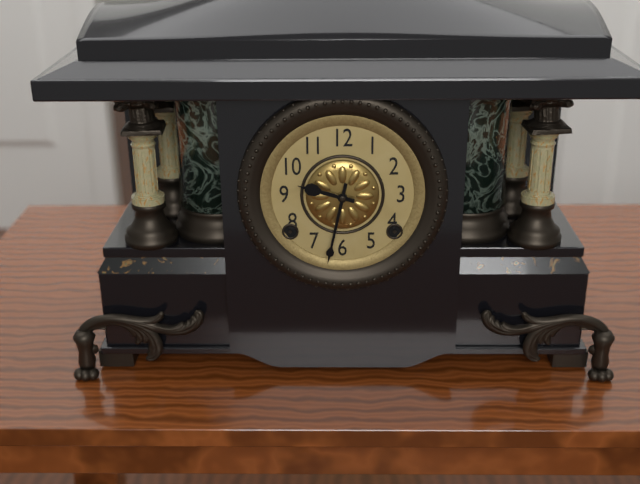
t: h=9 m=32
